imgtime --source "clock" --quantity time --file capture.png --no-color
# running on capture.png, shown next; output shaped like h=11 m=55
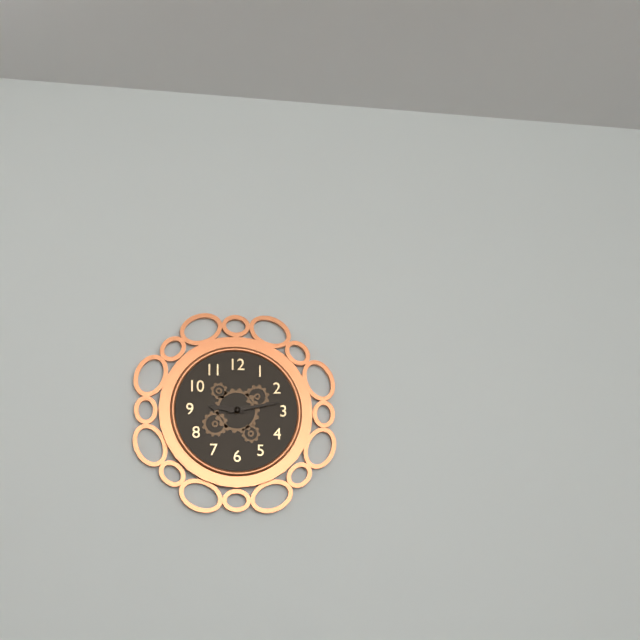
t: h=9 m=13
